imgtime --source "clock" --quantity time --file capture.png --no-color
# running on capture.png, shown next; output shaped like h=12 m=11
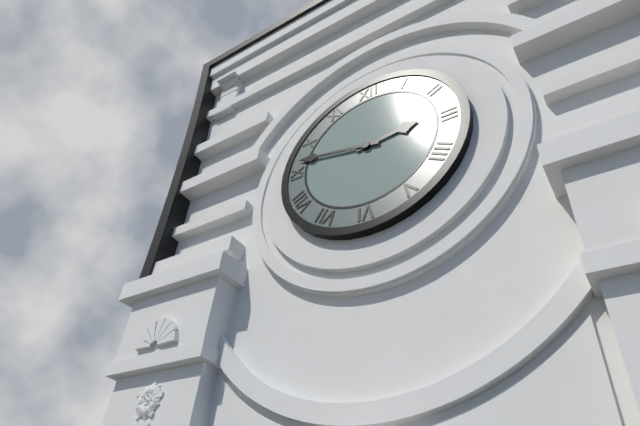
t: h=2 m=47
